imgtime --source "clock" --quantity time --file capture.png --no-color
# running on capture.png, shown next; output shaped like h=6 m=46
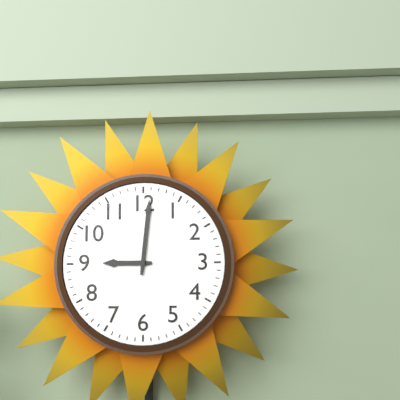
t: h=9 m=1
